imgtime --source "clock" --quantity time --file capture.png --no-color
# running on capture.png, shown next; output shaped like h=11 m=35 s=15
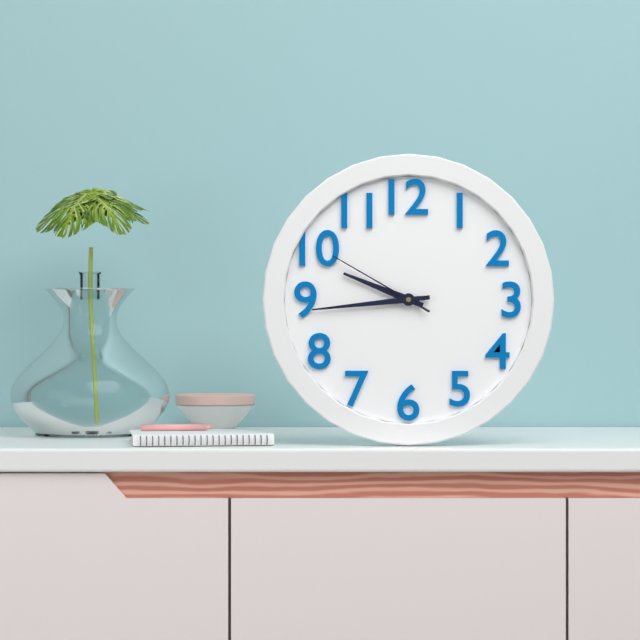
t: h=9 m=44 s=50
